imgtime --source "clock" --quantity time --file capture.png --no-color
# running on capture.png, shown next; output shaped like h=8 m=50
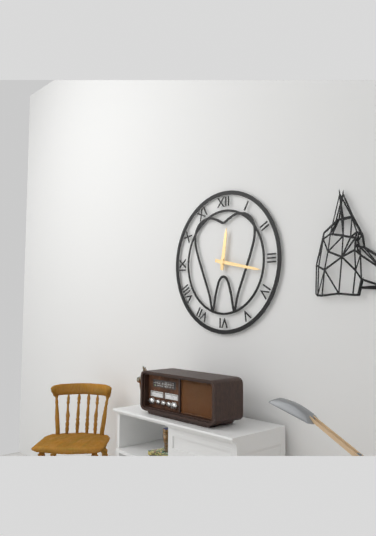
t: h=12 m=17
